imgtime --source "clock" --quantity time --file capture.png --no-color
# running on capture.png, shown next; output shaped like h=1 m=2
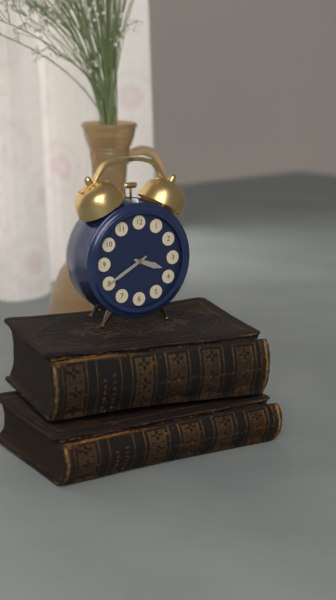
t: h=3 m=40
